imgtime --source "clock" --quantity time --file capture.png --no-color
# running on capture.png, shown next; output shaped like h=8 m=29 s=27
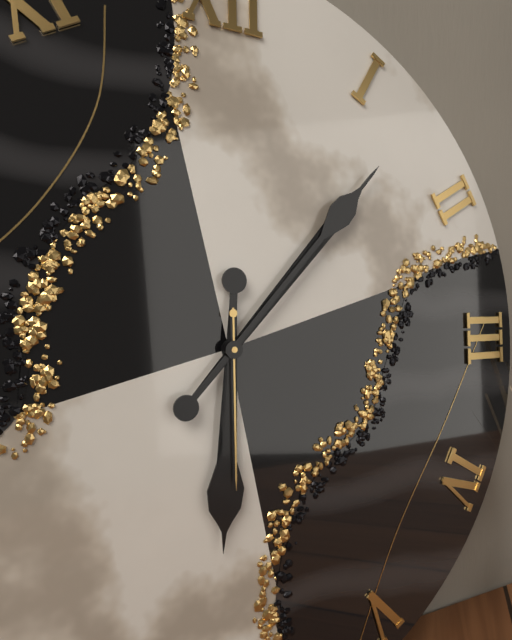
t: h=6 m=7 s=30
